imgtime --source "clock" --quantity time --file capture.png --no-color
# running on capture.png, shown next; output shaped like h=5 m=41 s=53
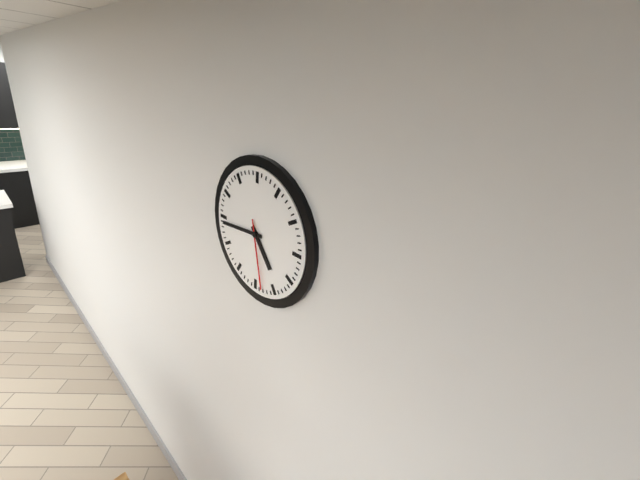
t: h=4 m=44 s=28
